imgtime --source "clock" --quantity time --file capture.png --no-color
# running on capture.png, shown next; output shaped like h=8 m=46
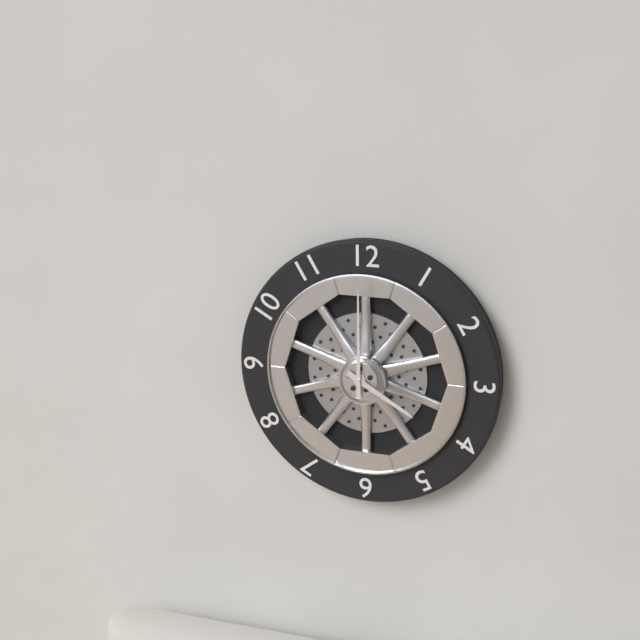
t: h=4 m=0
